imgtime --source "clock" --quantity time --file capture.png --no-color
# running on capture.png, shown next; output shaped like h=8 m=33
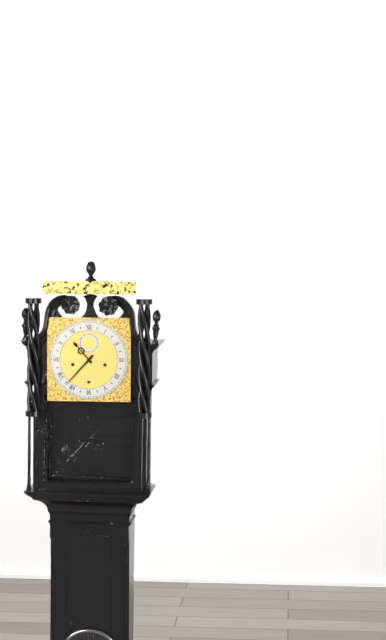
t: h=10 m=37
